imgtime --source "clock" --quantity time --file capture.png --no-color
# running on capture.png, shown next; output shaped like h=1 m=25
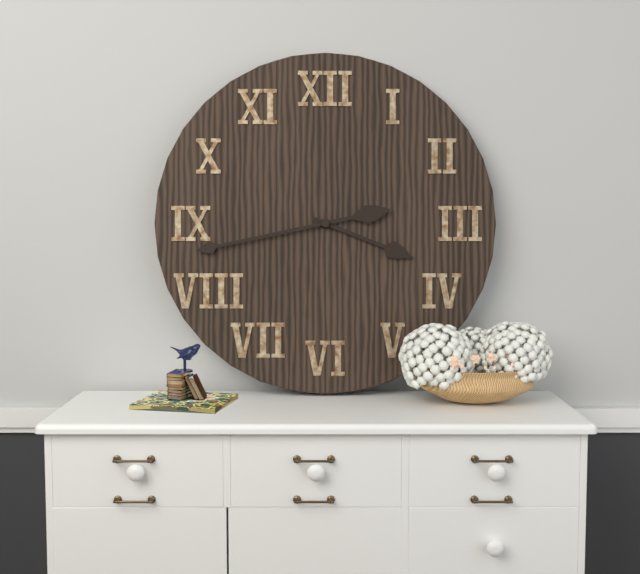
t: h=3 m=43
